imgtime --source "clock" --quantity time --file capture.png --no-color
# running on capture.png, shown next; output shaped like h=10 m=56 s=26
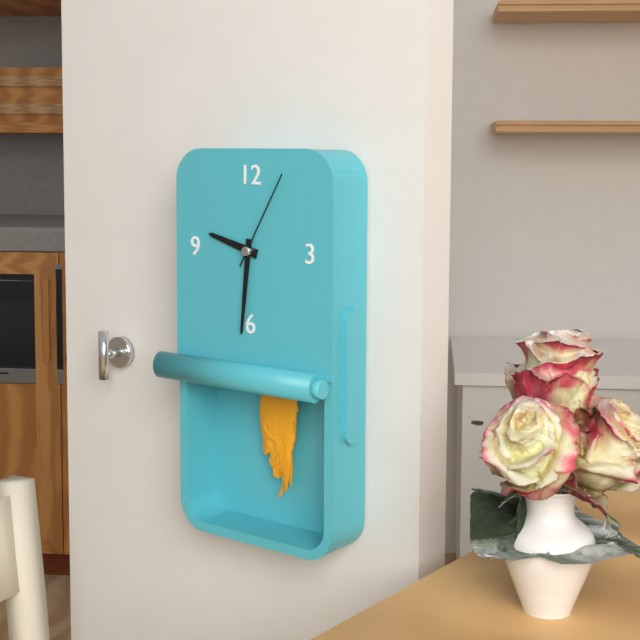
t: h=9 m=31 s=5
